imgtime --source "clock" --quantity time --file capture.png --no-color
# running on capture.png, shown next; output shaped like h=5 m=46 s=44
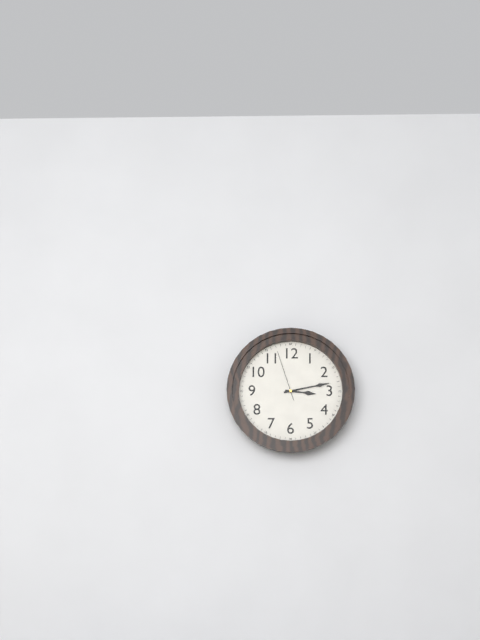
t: h=3 m=13 s=57
